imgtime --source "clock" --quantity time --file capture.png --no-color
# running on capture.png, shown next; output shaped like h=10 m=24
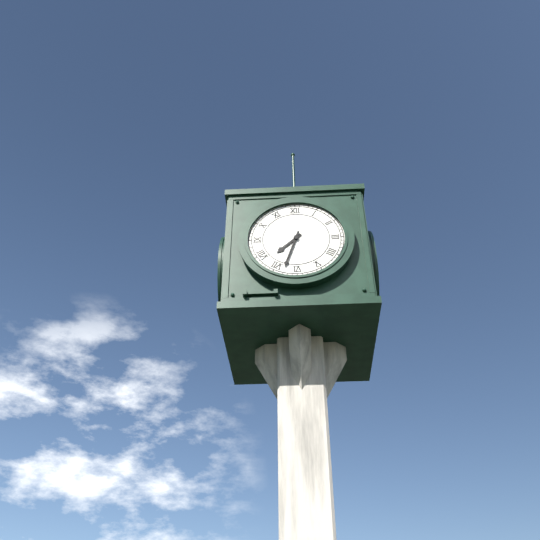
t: h=7 m=33
